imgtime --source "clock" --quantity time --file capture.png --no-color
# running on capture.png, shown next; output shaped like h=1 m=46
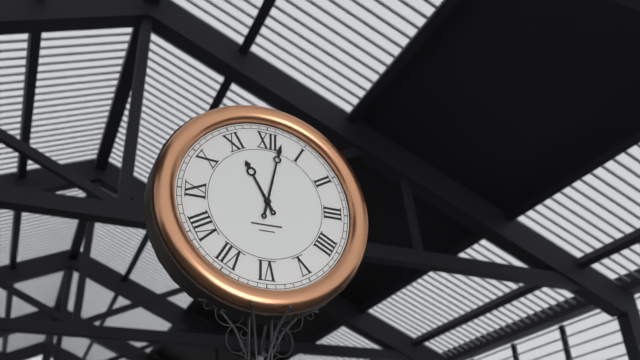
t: h=11 m=2
